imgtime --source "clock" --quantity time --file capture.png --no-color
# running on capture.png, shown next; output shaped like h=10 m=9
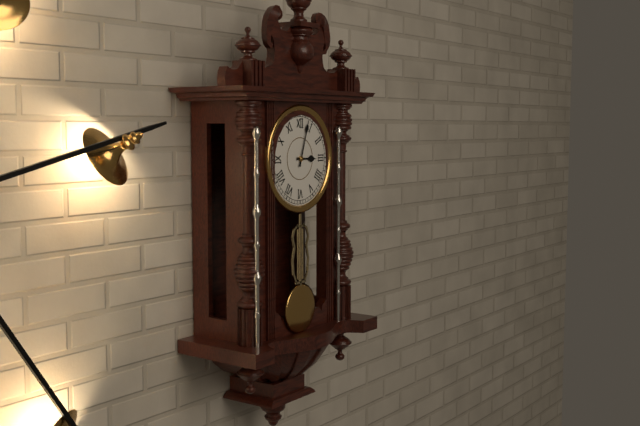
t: h=3 m=3
